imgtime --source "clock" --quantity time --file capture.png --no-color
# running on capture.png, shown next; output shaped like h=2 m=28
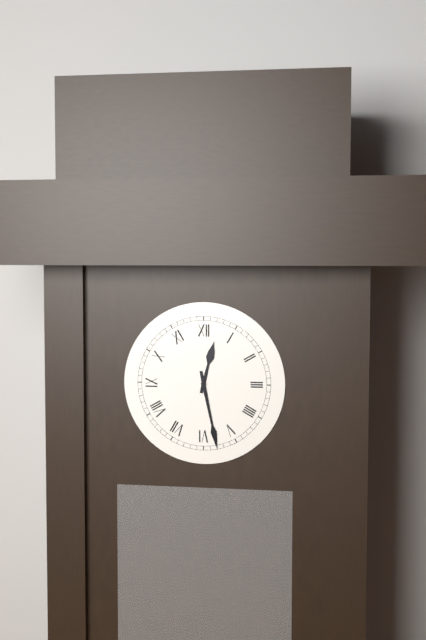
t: h=12 m=28
